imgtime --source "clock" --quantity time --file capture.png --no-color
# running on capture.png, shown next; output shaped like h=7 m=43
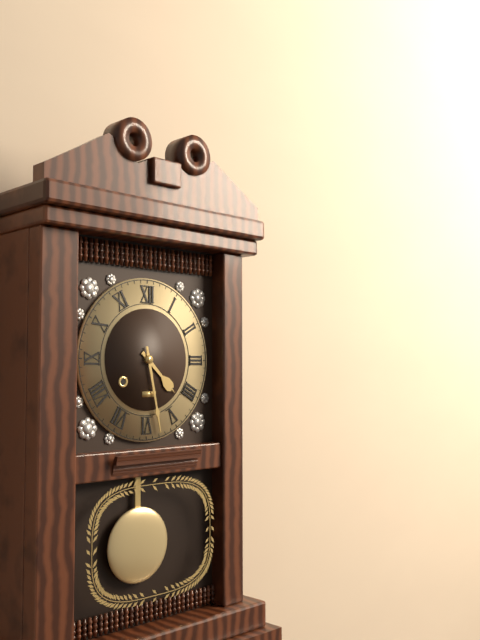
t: h=4 m=28
